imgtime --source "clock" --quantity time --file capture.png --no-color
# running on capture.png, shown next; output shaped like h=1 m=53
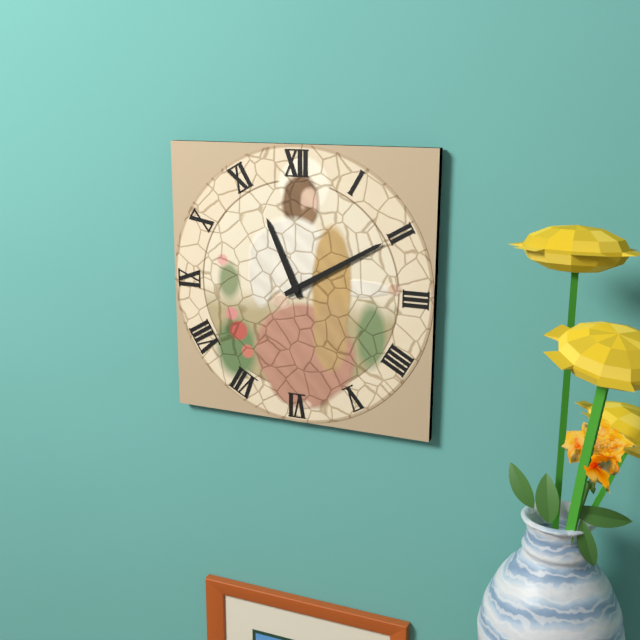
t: h=11 m=10
